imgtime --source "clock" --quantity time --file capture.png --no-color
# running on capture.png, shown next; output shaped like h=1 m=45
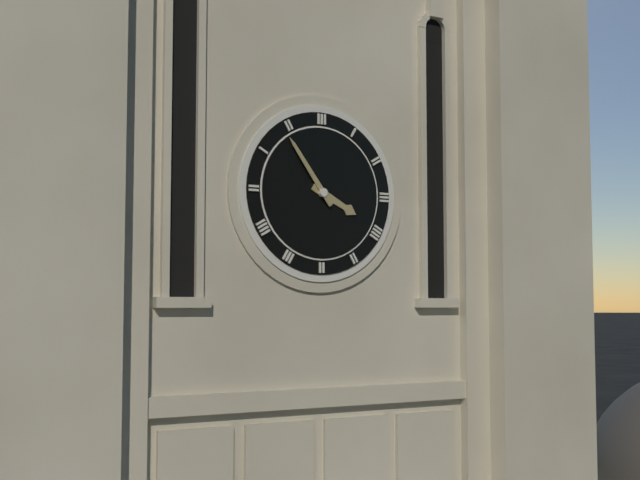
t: h=3 m=54
